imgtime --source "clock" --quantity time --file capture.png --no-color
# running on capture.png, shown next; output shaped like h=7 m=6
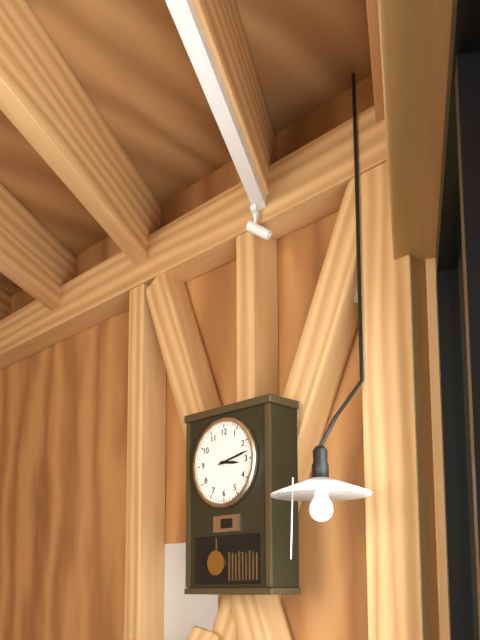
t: h=3 m=13
